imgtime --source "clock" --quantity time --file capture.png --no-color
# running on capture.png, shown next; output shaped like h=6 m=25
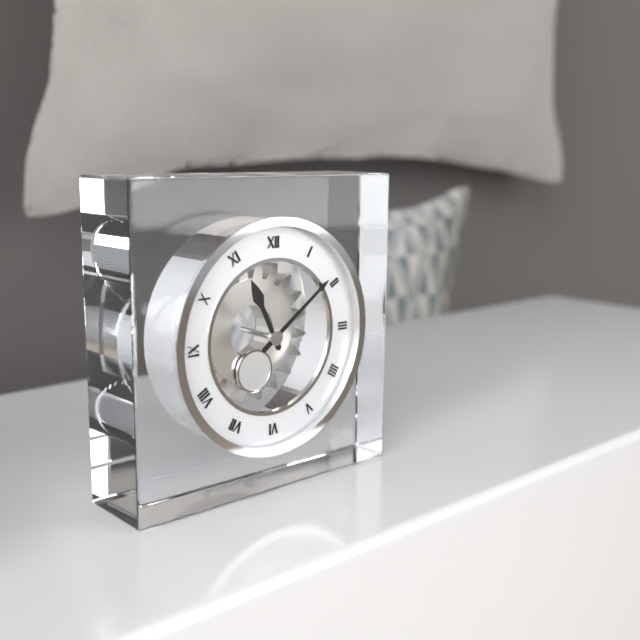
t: h=11 m=9
